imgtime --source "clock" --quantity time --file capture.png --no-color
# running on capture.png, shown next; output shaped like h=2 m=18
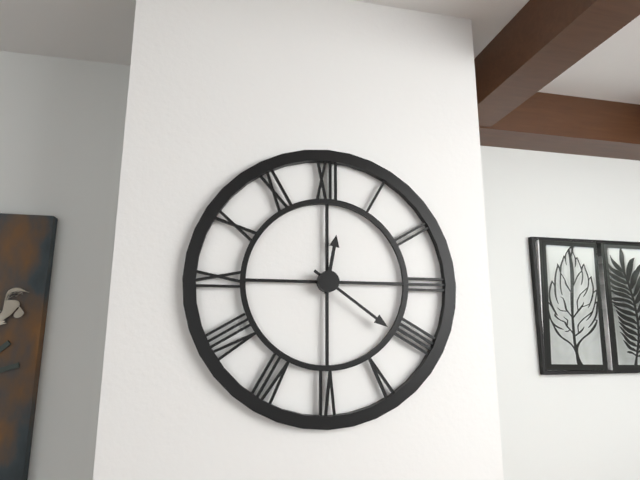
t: h=12 m=21
